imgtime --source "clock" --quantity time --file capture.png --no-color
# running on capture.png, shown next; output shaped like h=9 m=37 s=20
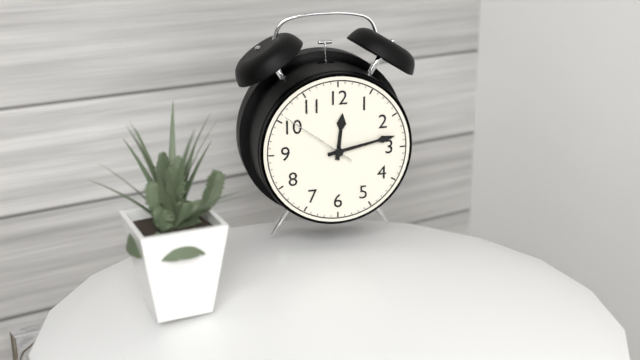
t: h=12 m=13 s=51
